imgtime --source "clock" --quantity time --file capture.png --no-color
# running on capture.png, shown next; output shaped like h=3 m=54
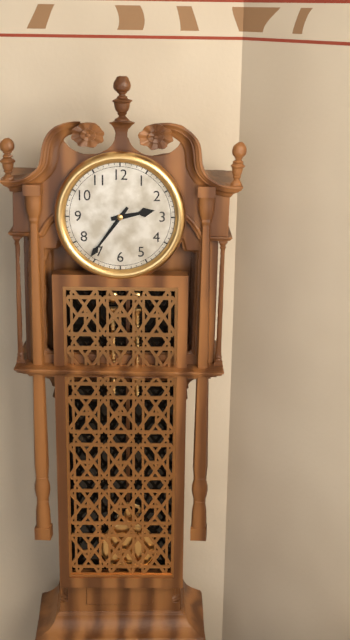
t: h=2 m=36
